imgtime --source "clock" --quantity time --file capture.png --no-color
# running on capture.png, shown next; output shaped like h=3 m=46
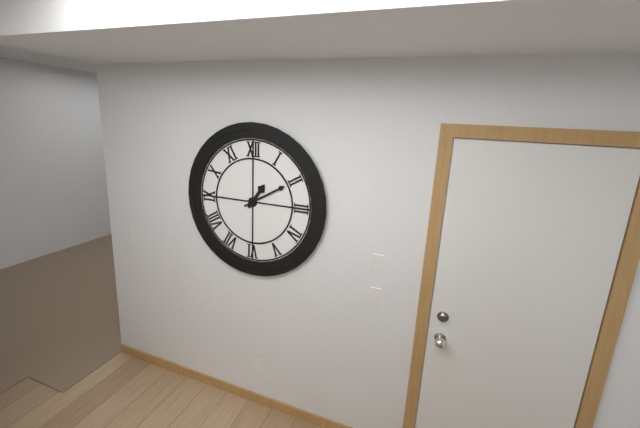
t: h=1 m=10
